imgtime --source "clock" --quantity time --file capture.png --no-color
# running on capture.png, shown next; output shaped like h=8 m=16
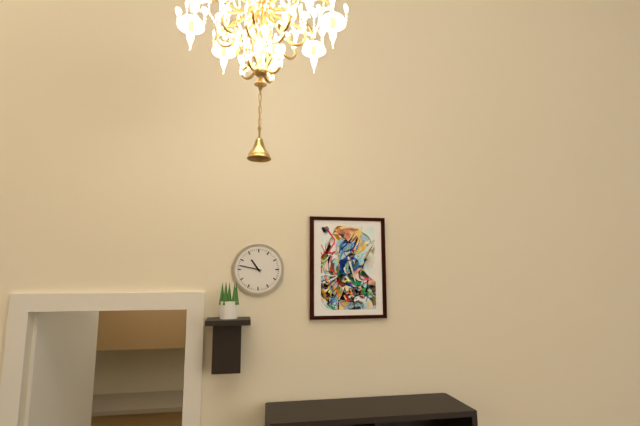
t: h=10 m=47
